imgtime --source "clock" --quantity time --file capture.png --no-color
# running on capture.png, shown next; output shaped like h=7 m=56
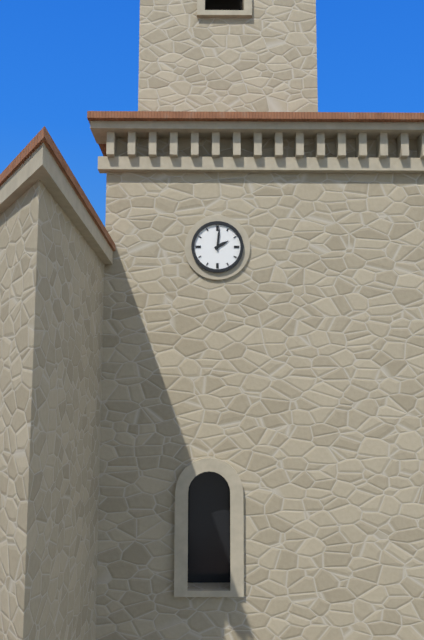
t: h=2 m=1
